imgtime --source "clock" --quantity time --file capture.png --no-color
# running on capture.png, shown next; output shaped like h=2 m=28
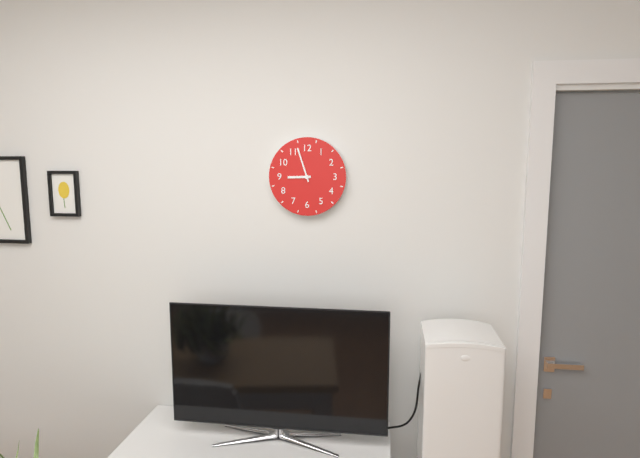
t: h=8 m=57
